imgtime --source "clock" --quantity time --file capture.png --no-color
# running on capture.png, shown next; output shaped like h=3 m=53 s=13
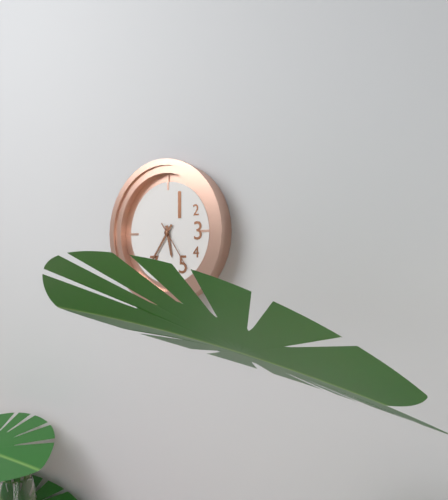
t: h=5 m=36 s=24
